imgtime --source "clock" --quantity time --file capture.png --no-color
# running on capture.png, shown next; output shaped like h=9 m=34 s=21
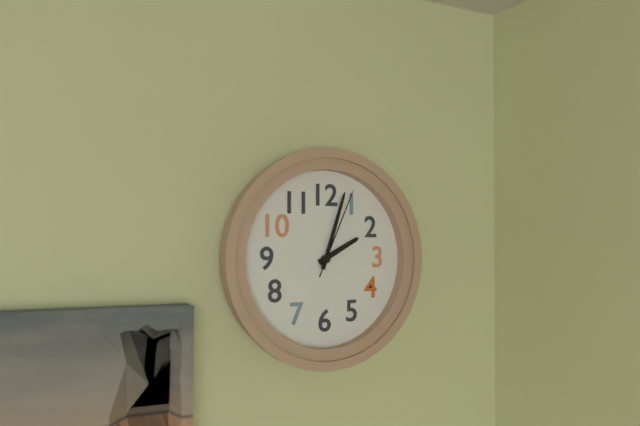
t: h=2 m=3 s=4
